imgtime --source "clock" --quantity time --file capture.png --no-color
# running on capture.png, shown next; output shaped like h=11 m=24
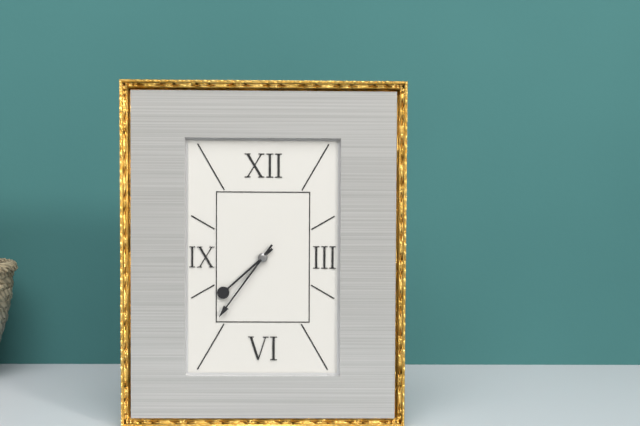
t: h=7 m=36
